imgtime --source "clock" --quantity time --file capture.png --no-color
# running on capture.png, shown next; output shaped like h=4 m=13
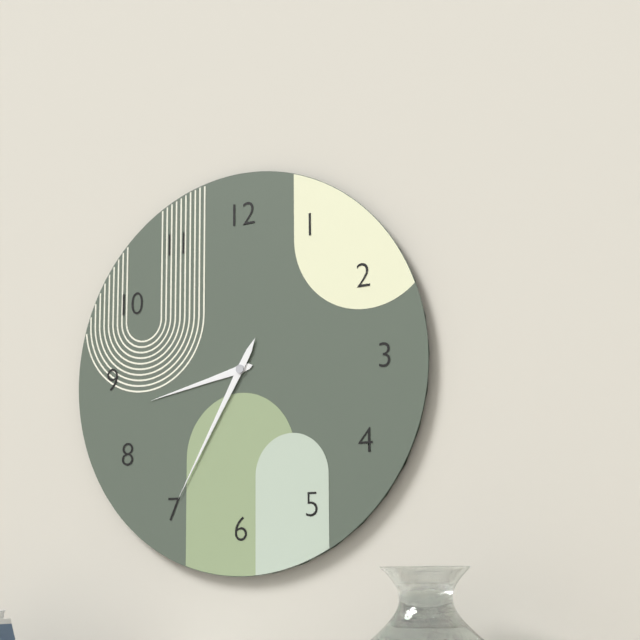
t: h=8 m=35
